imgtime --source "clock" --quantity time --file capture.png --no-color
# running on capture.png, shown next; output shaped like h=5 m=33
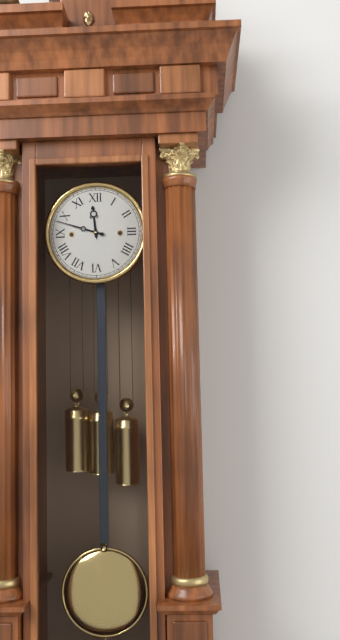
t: h=11 m=48
